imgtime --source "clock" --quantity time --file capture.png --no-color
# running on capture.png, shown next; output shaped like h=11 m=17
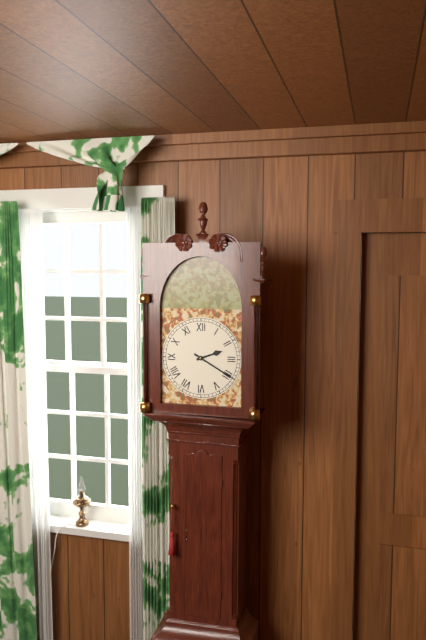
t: h=2 m=20
